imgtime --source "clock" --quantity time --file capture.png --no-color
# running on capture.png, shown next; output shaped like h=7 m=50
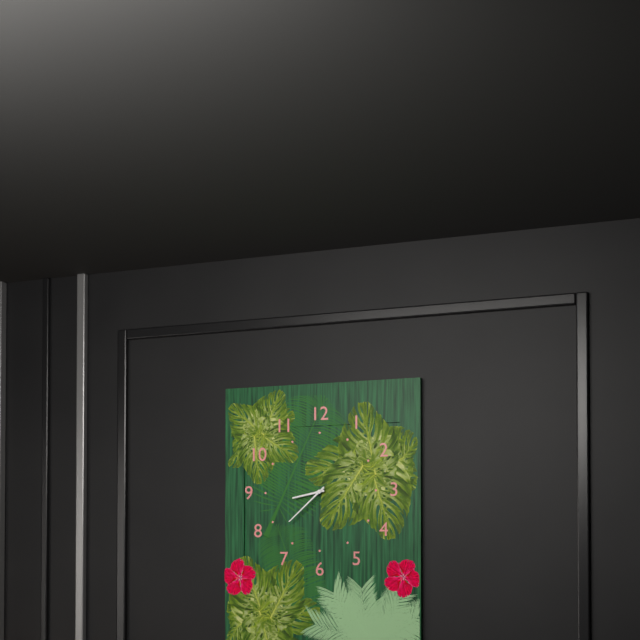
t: h=8 m=38
